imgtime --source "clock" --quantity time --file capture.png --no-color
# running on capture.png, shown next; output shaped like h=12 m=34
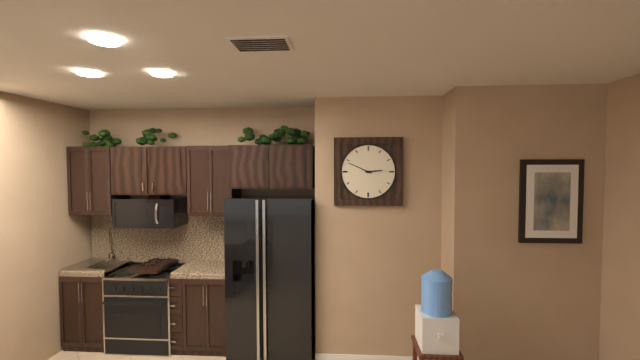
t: h=2 m=49
